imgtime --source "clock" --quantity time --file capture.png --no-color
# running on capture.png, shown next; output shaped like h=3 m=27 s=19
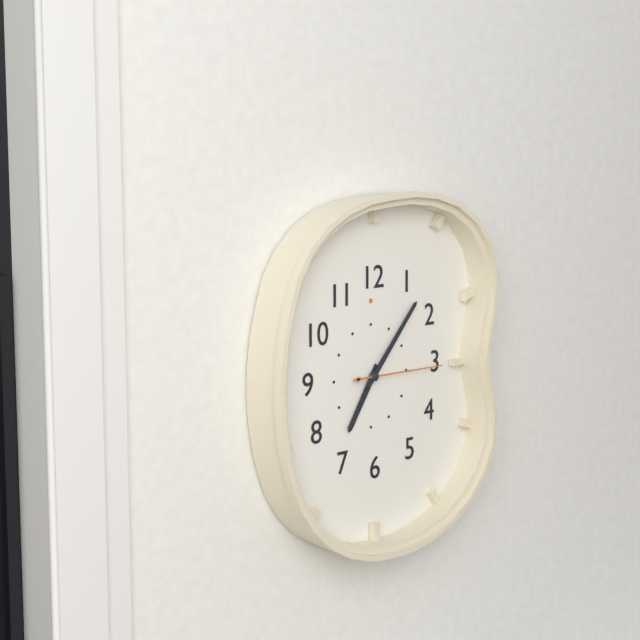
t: h=7 m=7 s=15
